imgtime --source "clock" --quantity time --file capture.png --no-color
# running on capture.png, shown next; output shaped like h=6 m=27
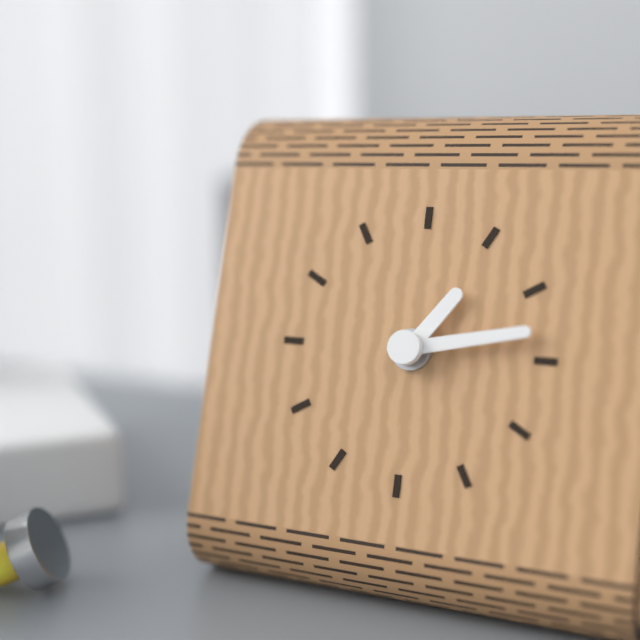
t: h=1 m=13
